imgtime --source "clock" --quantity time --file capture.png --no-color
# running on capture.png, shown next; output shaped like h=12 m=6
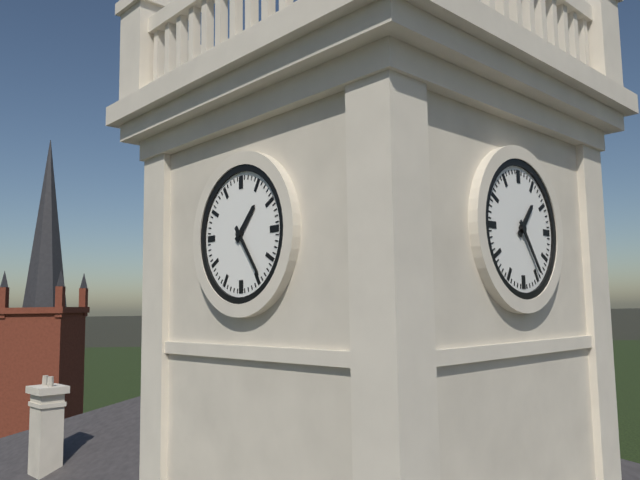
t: h=1 m=24
